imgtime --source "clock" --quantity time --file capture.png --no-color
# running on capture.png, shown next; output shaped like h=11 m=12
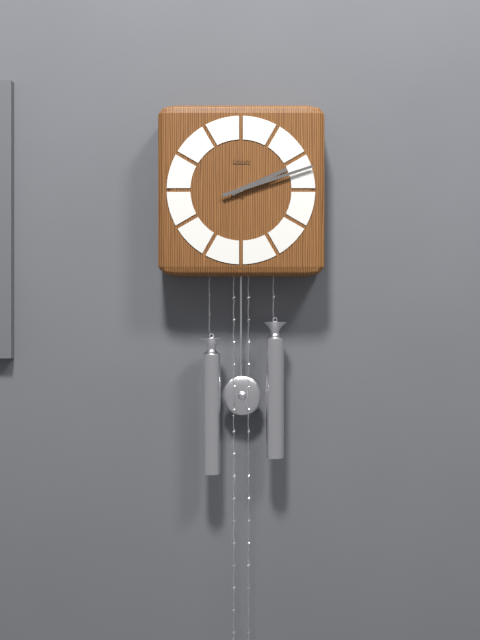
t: h=2 m=12
